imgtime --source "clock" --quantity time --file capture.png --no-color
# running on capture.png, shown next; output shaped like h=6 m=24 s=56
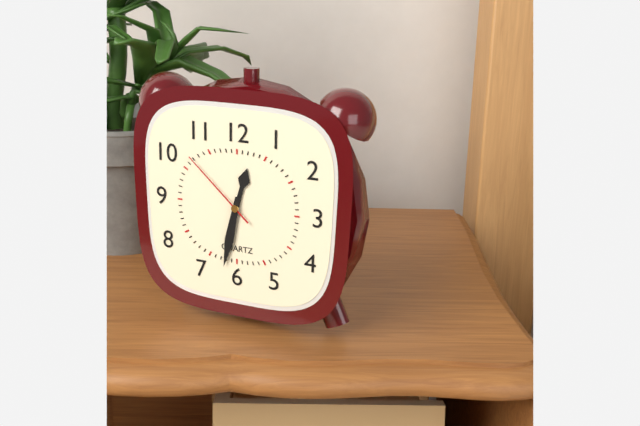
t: h=12 m=32 s=52
